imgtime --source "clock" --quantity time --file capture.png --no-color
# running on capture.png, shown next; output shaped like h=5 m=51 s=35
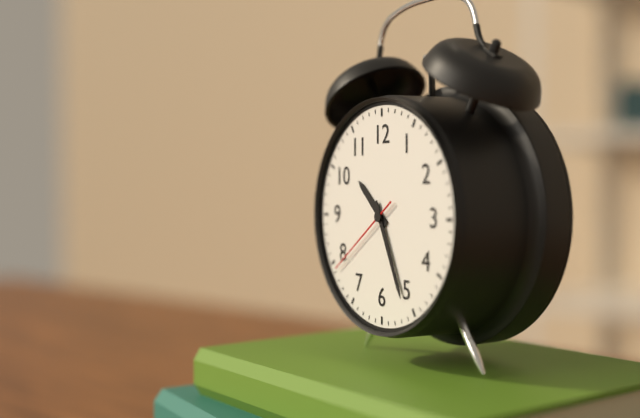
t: h=10 m=26 s=39
